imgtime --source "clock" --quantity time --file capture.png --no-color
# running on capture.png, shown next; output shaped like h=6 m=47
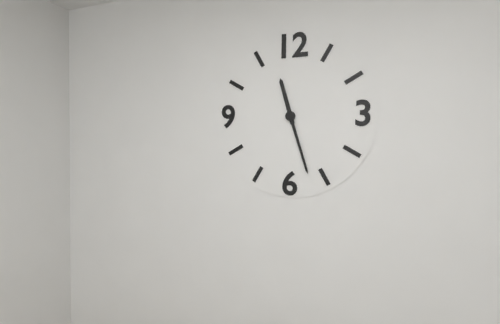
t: h=11 m=27
